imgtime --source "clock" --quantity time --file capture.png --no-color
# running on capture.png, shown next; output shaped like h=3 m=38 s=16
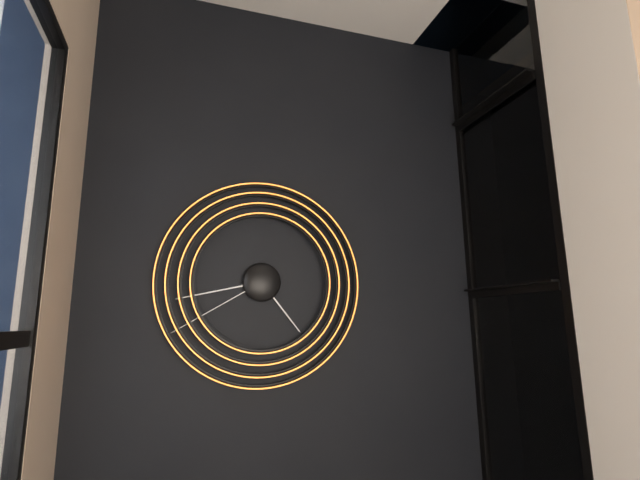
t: h=4 m=43 s=40
